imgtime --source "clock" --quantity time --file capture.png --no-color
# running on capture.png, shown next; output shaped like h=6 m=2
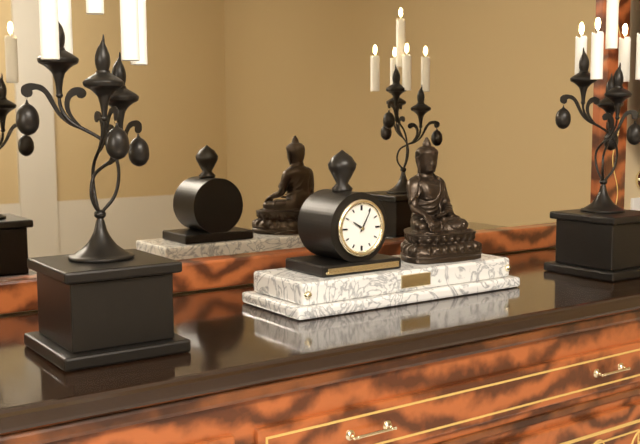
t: h=10 m=5
